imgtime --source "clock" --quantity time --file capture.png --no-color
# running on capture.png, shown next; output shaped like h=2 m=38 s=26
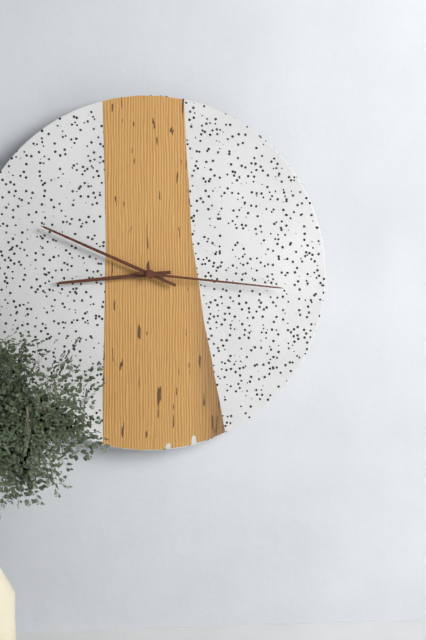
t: h=8 m=49 s=16
